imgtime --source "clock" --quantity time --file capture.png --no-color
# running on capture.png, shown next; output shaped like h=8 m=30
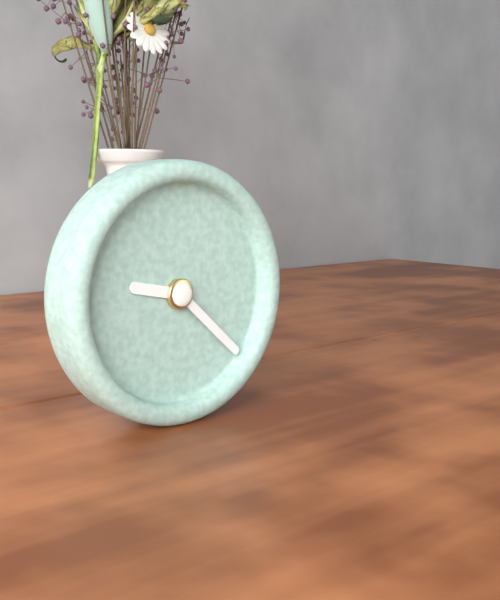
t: h=9 m=22
